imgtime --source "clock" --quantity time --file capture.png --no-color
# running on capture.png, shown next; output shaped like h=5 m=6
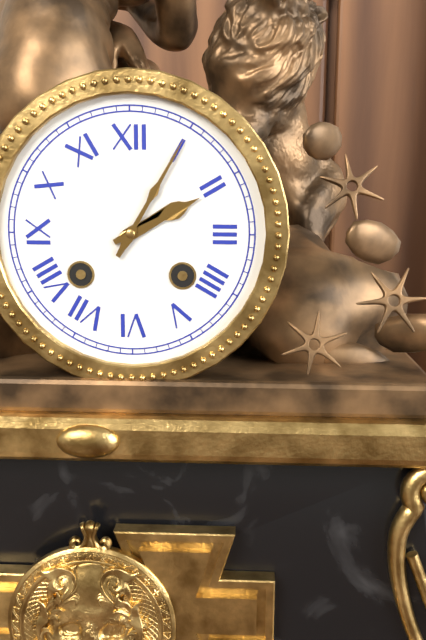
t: h=2 m=5
